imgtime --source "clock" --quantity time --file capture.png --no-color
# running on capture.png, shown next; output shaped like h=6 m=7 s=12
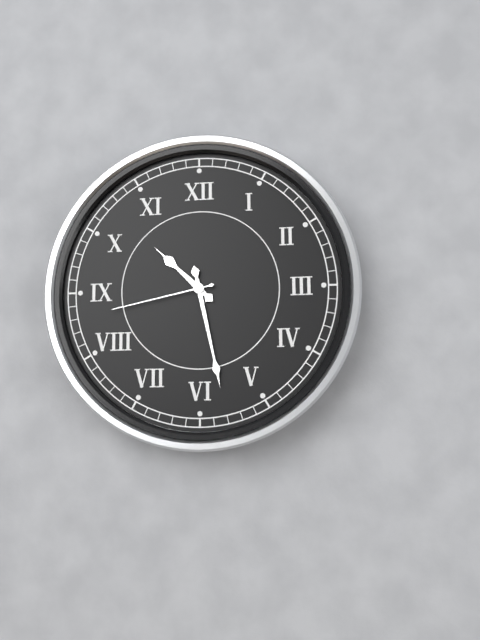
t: h=10 m=28 s=43
